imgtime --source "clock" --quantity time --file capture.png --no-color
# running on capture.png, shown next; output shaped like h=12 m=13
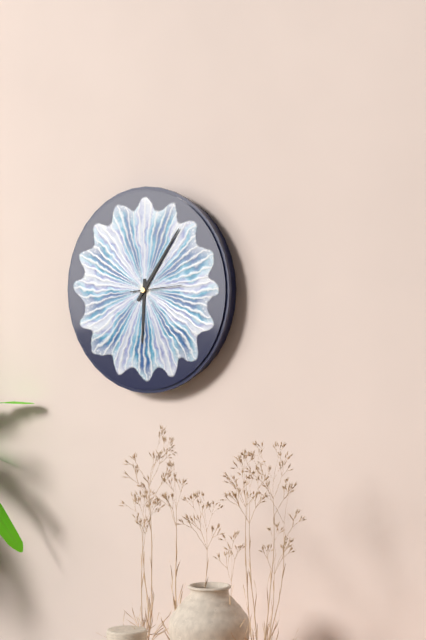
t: h=6 m=6
